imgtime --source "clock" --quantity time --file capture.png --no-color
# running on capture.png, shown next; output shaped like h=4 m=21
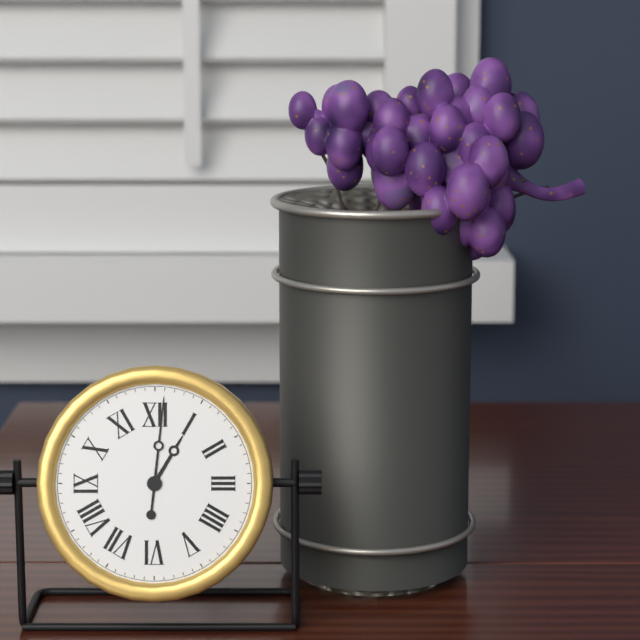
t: h=1 m=1
